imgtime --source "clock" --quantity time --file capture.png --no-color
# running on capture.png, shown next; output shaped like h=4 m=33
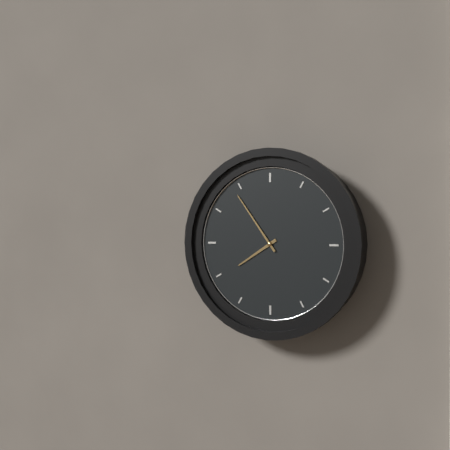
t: h=7 m=54
